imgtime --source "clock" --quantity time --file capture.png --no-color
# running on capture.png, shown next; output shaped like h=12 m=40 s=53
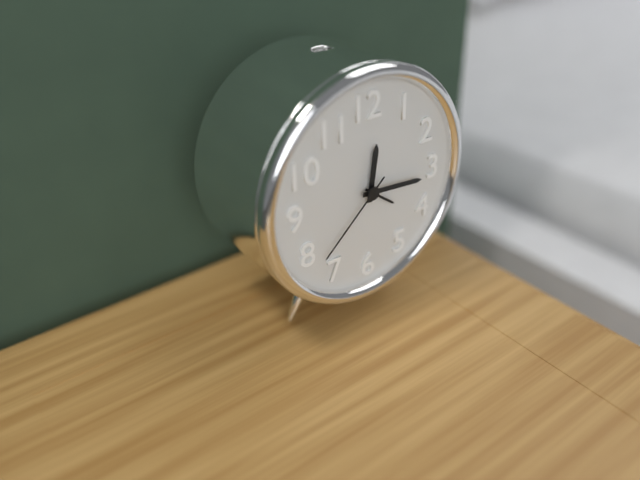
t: h=12 m=16 s=38
